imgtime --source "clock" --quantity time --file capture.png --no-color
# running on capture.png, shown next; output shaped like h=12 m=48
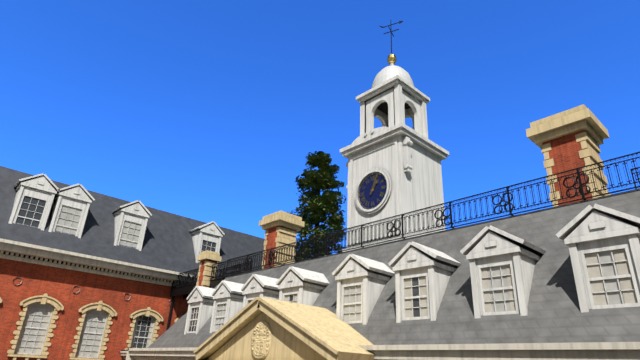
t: h=1 m=4
